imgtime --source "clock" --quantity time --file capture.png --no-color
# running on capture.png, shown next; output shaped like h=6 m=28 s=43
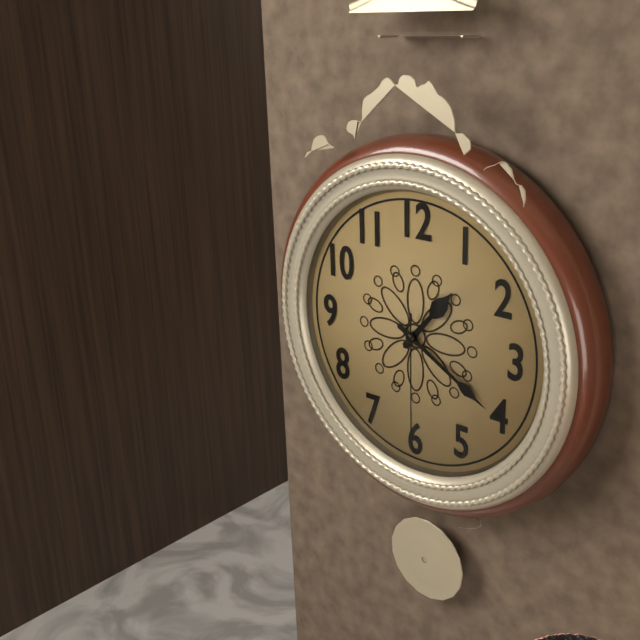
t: h=1 m=20 s=30
